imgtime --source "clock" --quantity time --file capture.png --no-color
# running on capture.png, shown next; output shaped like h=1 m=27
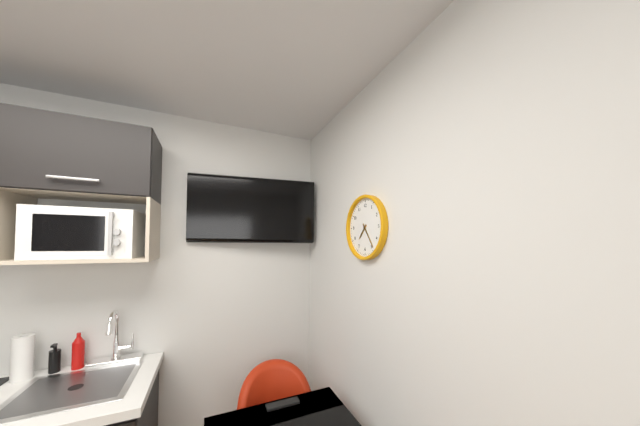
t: h=7 m=24
